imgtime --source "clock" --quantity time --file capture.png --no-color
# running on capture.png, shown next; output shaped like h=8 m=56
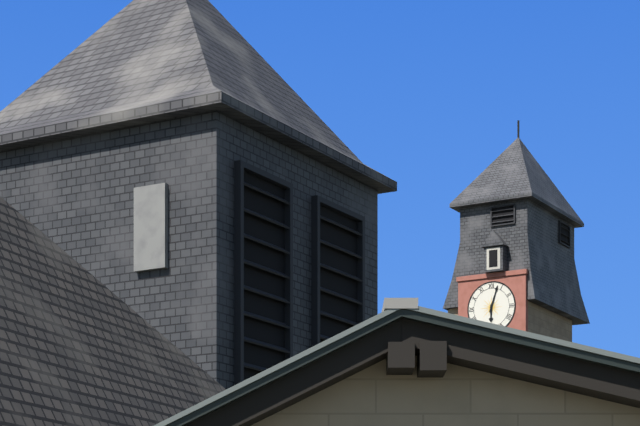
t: h=6 m=3
